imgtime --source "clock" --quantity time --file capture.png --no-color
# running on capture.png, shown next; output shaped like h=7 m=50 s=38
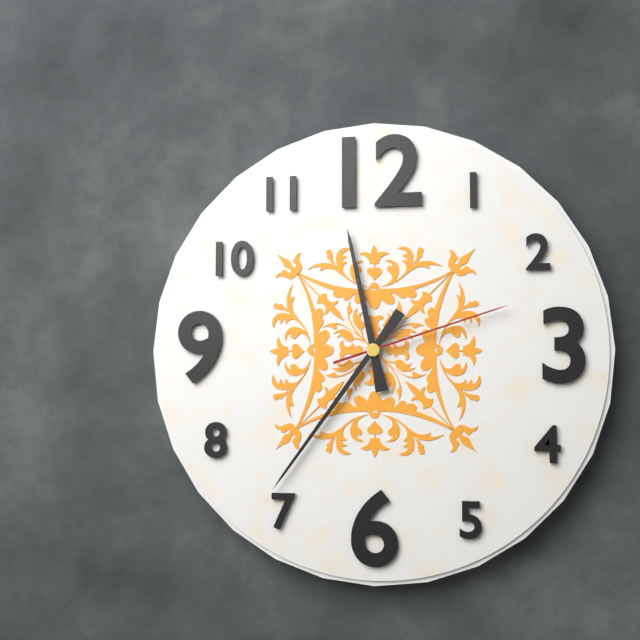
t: h=11 m=36 s=12
